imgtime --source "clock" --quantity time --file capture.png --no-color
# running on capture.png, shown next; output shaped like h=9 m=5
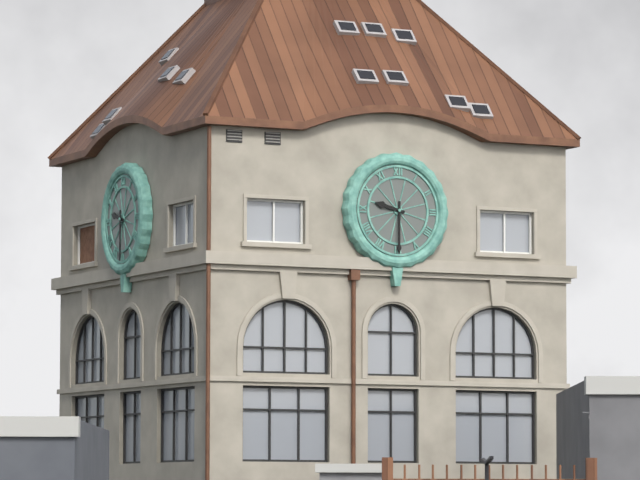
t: h=9 m=30
